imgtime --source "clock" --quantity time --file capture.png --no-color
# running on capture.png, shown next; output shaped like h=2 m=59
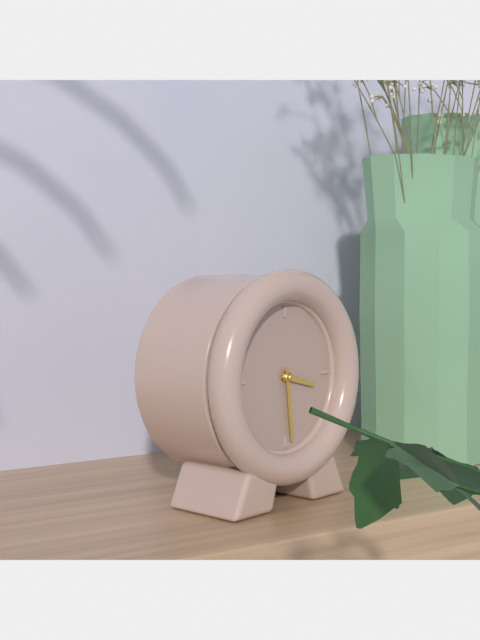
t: h=3 m=29
